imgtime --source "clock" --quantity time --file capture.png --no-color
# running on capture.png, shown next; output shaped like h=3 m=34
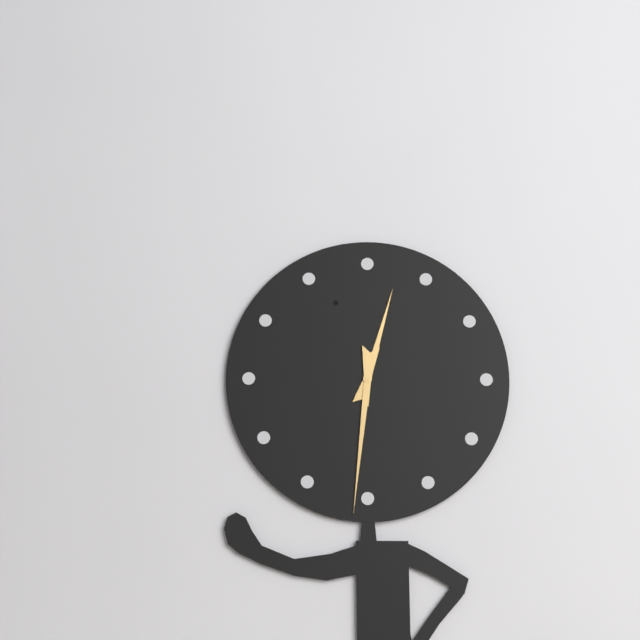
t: h=12 m=31
